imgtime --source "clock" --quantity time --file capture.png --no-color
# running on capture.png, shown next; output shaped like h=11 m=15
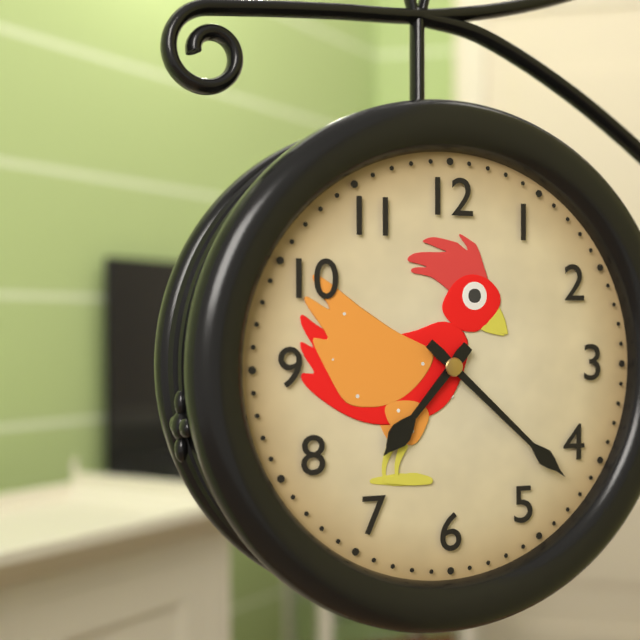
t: h=7 m=22
